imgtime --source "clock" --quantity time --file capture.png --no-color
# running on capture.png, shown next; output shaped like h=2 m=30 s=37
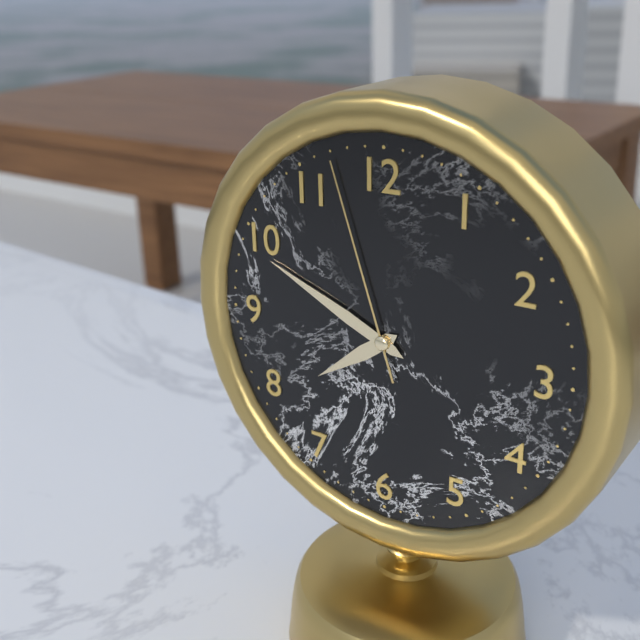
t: h=7 m=49 s=57
